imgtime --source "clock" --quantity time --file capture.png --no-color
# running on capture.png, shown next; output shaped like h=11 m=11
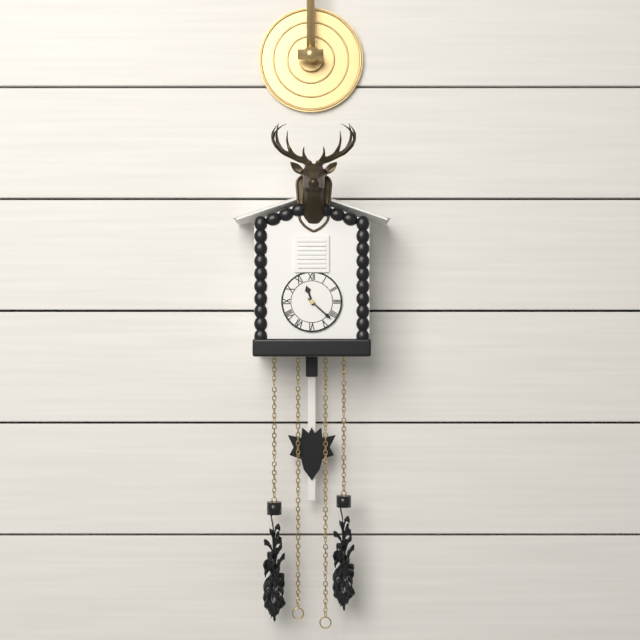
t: h=11 m=22
